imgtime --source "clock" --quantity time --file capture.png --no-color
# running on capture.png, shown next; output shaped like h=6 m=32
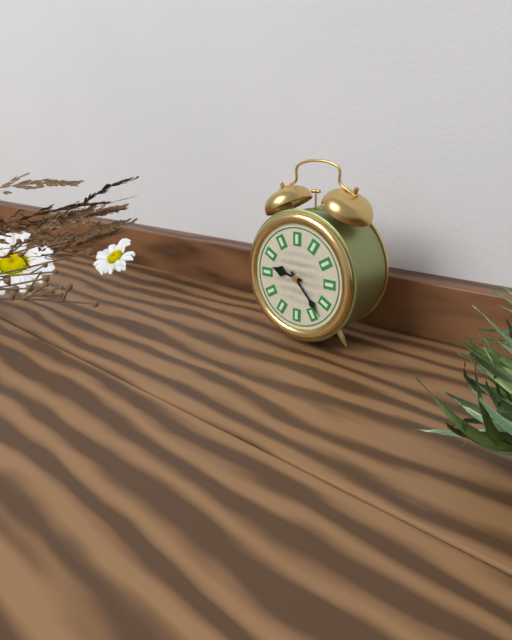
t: h=9 m=23
